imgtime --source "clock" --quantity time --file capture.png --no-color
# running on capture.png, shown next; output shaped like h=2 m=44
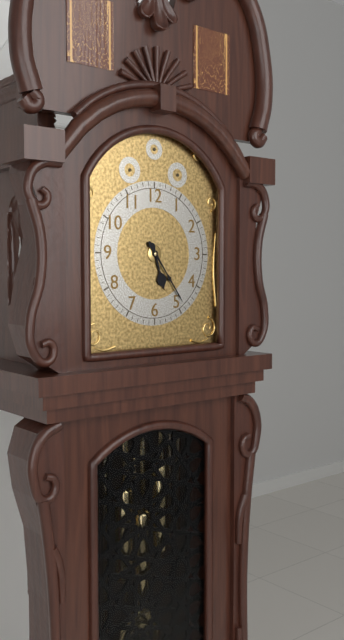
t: h=5 m=24
